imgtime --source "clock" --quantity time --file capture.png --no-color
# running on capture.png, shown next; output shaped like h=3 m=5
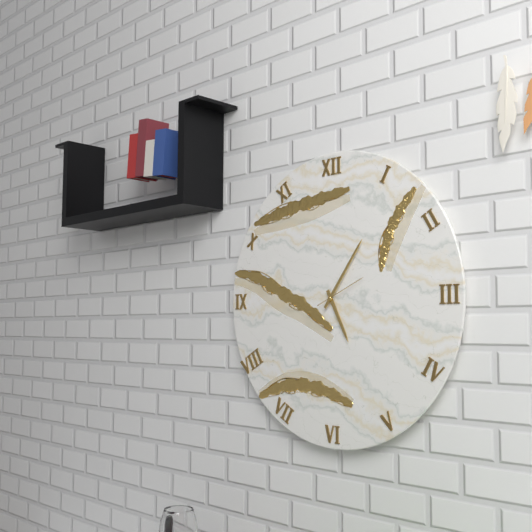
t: h=5 m=6
